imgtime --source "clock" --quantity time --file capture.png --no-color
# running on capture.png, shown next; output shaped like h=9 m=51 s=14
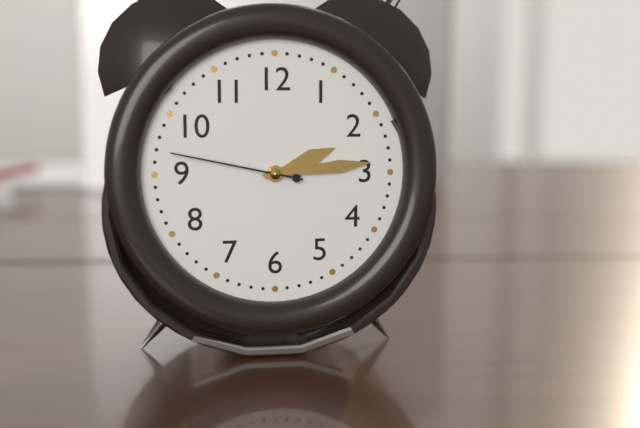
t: h=2 m=14 s=47
